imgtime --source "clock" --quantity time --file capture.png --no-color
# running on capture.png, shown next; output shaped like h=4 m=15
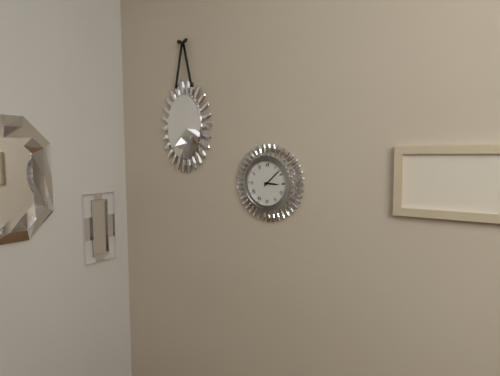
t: h=3 m=8
